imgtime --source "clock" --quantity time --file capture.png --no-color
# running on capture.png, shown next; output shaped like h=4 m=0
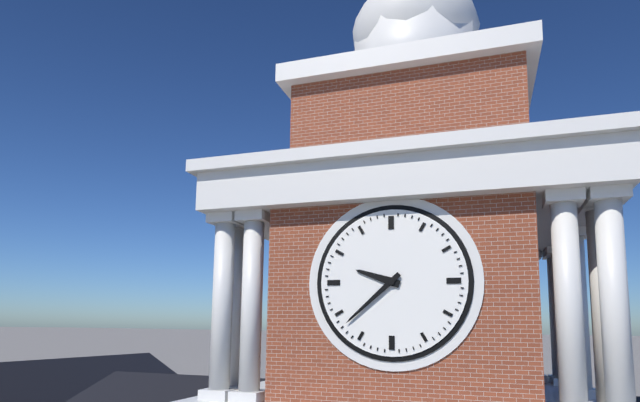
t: h=9 m=38
